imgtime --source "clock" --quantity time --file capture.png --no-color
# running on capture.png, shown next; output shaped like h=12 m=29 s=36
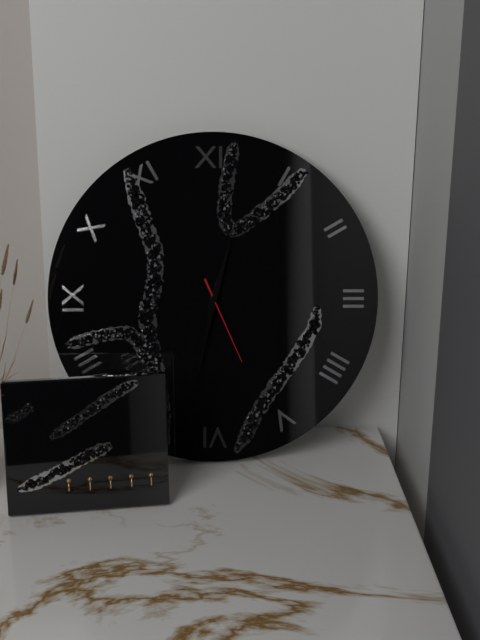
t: h=12 m=32 s=26
